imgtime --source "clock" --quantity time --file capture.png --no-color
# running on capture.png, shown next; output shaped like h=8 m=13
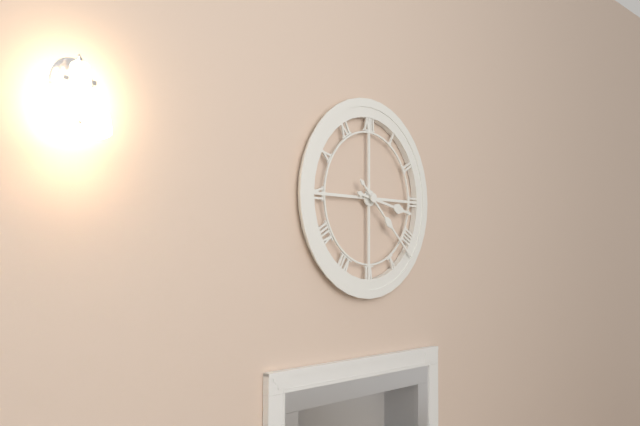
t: h=3 m=22
